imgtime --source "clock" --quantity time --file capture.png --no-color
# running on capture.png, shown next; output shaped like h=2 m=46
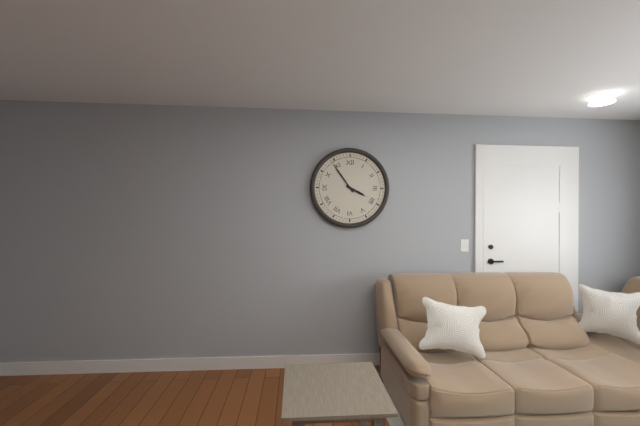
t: h=3 m=54
